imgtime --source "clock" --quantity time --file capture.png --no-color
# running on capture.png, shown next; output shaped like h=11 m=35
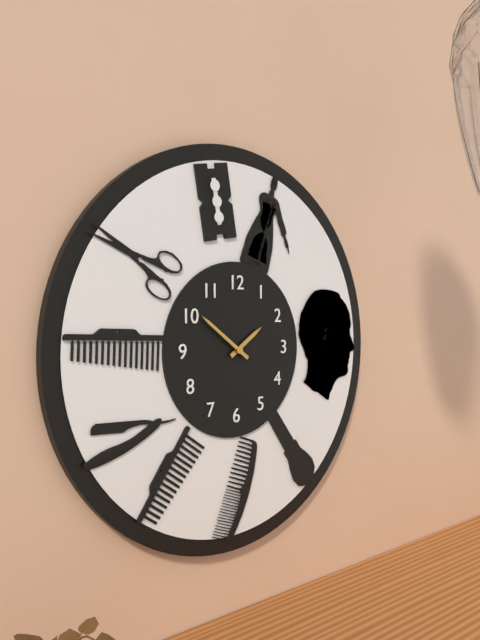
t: h=1 m=51
